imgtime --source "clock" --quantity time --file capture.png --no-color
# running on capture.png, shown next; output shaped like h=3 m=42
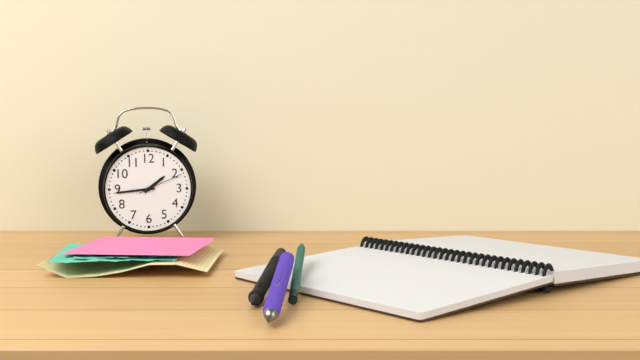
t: h=1 m=44
